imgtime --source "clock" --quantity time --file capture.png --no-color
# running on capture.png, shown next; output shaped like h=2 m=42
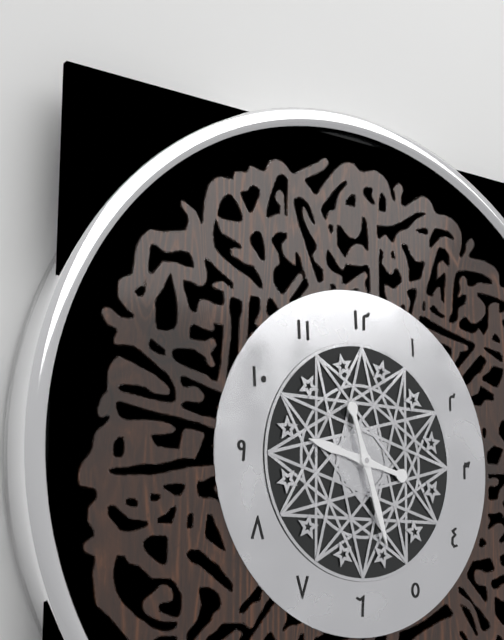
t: h=9 m=27
